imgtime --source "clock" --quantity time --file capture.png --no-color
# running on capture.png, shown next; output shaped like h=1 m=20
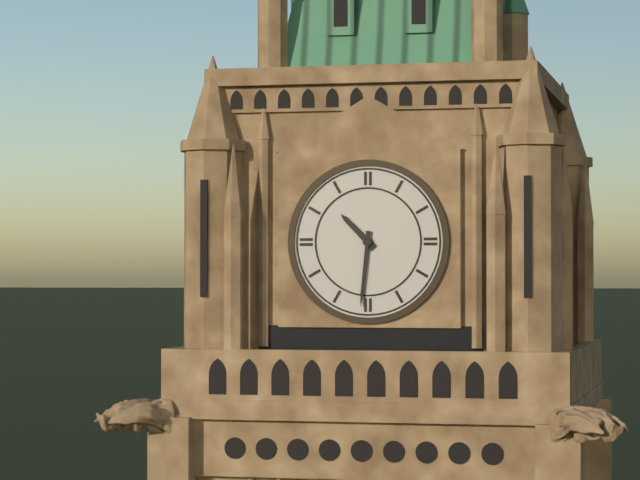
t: h=10 m=31
